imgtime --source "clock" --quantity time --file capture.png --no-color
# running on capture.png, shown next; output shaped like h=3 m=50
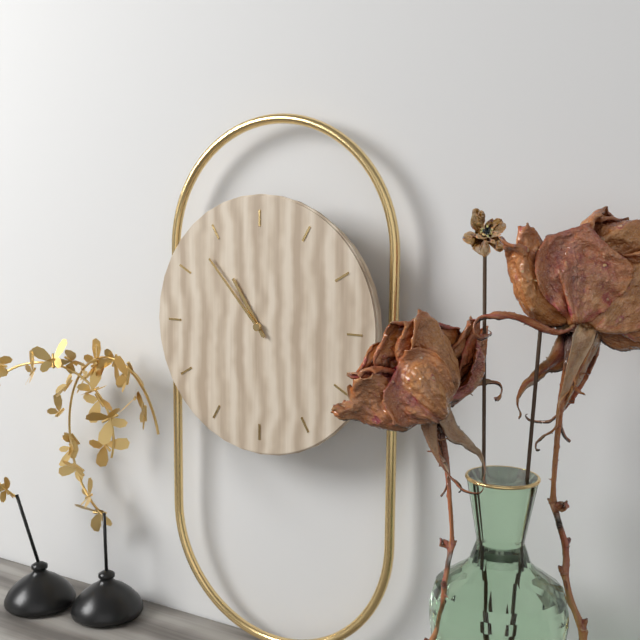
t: h=10 m=53
